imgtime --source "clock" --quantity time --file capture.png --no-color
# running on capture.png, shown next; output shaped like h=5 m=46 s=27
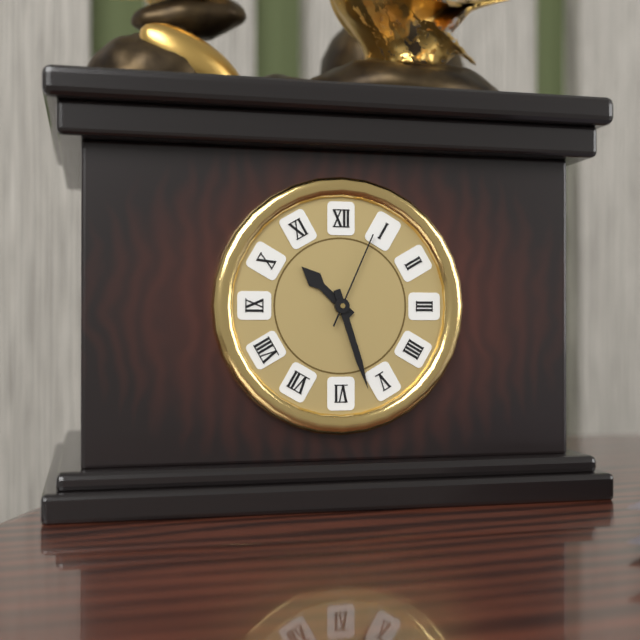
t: h=10 m=27 s=4
